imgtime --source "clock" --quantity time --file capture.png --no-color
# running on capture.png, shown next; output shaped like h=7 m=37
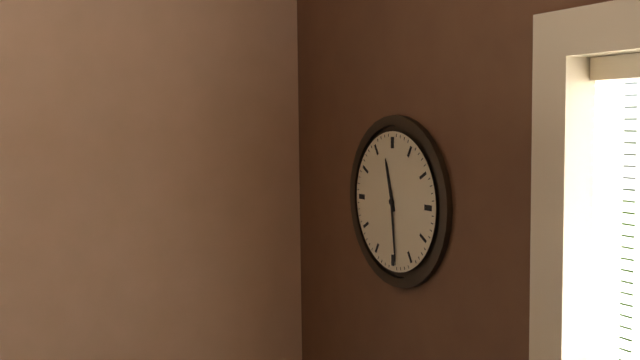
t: h=11 m=29
